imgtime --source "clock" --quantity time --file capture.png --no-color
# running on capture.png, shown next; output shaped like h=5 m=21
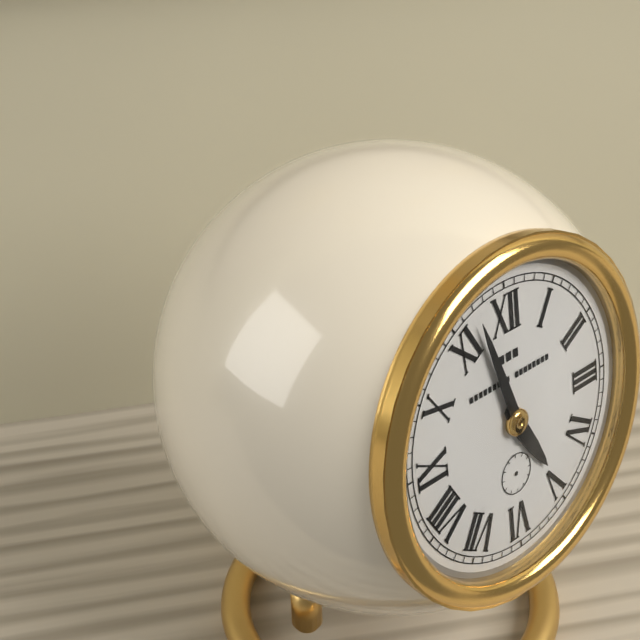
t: h=4 m=57
